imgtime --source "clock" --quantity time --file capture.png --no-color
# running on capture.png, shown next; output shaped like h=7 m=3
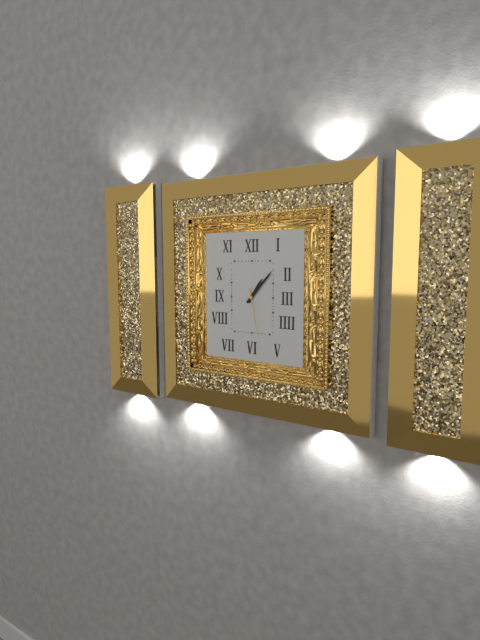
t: h=1 m=7
